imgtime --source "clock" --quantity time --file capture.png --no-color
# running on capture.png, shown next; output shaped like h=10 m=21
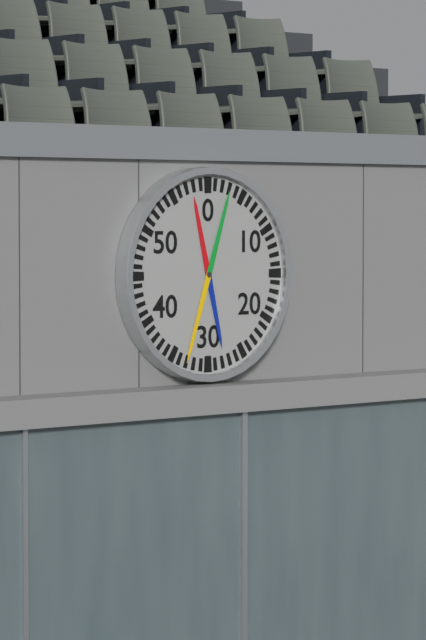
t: h=11 m=33
